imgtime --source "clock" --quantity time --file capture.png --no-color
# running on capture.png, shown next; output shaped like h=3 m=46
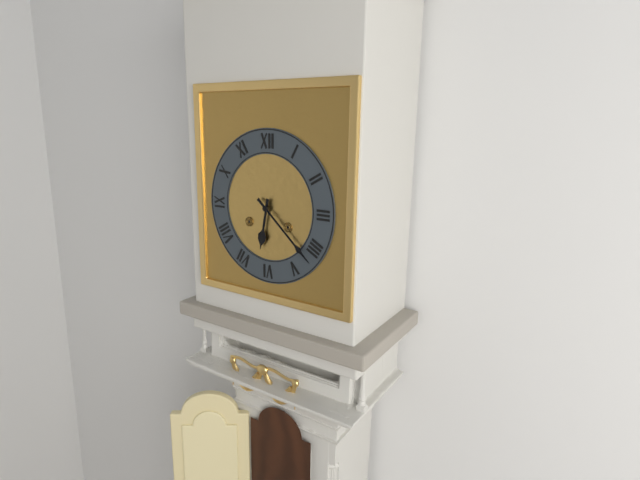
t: h=6 m=22
